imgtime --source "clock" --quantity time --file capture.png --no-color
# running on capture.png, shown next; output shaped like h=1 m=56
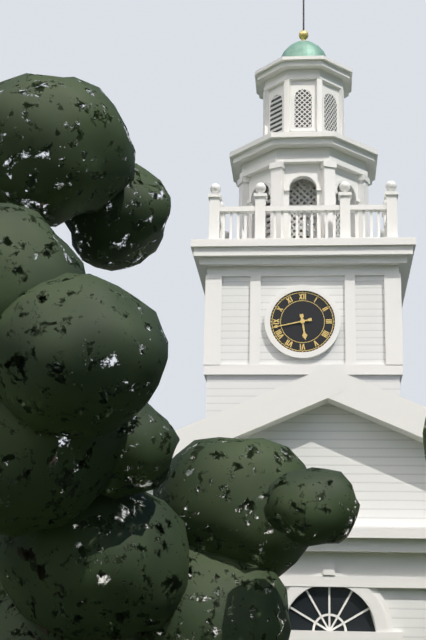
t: h=5 m=43
